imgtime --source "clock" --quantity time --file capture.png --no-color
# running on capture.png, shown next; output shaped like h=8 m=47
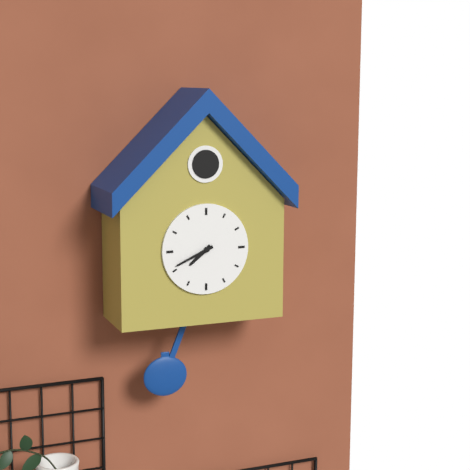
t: h=7 m=41
